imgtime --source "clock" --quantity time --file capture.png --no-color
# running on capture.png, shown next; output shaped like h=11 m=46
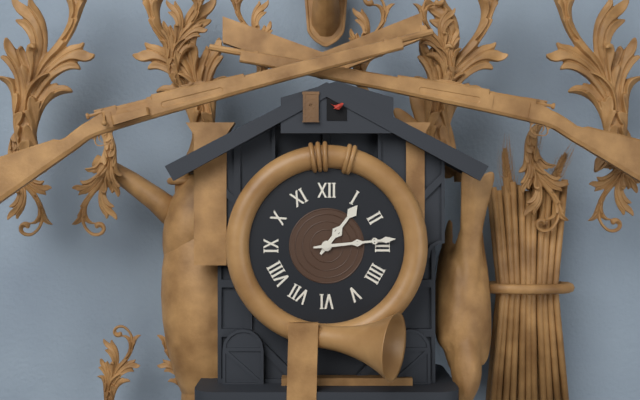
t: h=1 m=14
